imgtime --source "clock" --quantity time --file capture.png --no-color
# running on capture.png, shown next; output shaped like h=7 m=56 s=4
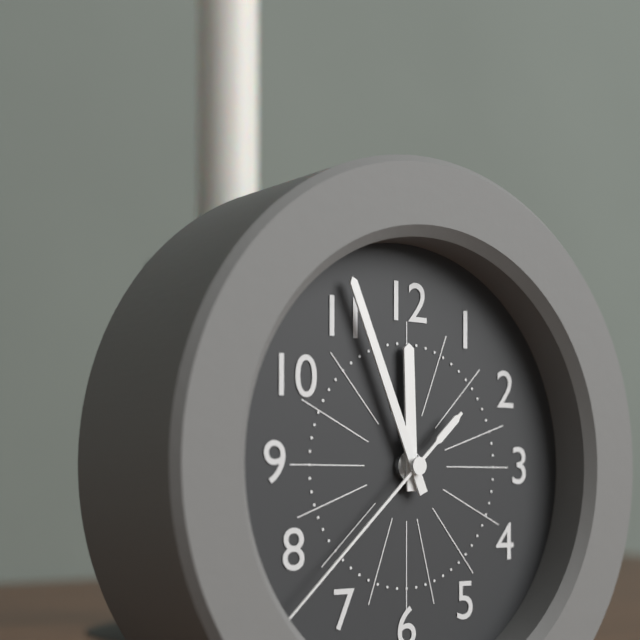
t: h=11 m=56 s=38
